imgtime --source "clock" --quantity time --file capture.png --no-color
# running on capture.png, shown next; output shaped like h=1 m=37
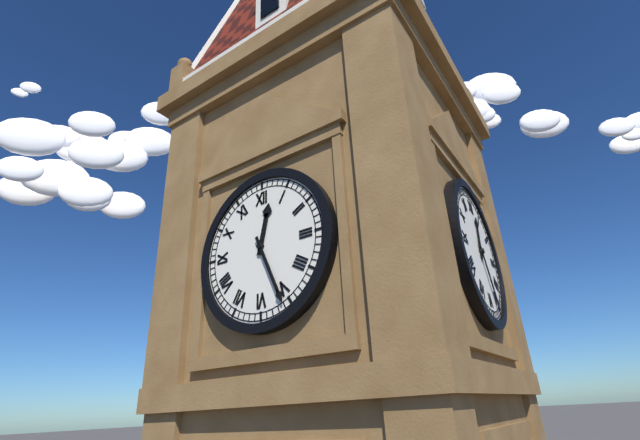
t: h=12 m=26
